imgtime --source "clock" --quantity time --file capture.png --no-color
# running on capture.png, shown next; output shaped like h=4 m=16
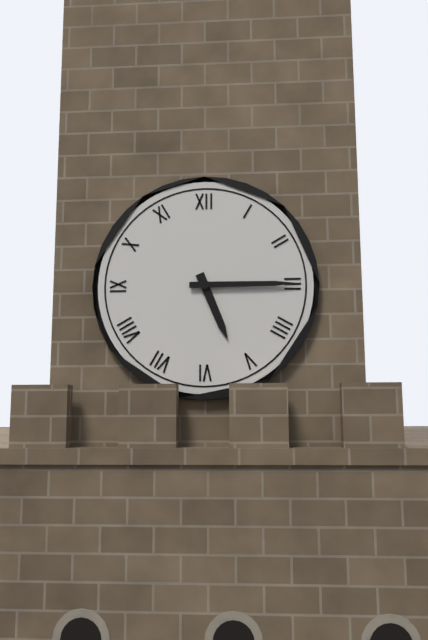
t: h=5 m=15
